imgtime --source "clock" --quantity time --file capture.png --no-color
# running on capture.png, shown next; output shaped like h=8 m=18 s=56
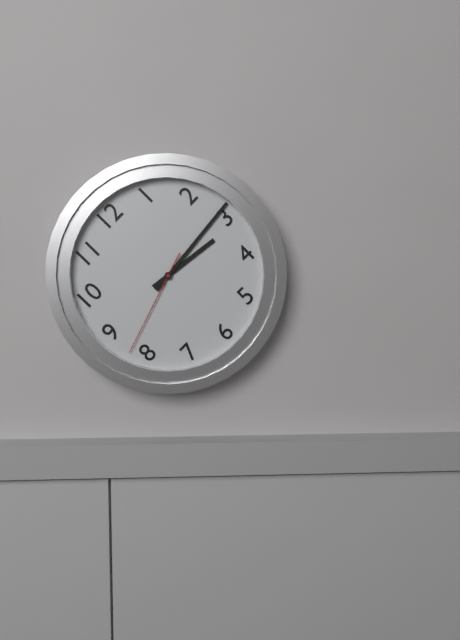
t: h=3 m=14 s=42
